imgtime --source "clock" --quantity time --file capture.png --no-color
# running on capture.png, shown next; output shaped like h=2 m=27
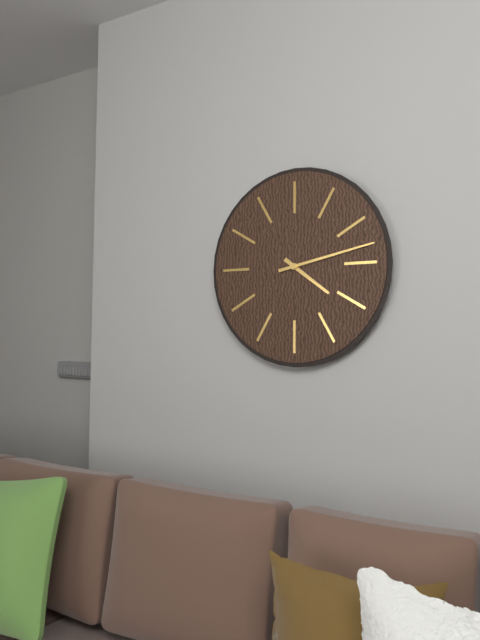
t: h=4 m=13
